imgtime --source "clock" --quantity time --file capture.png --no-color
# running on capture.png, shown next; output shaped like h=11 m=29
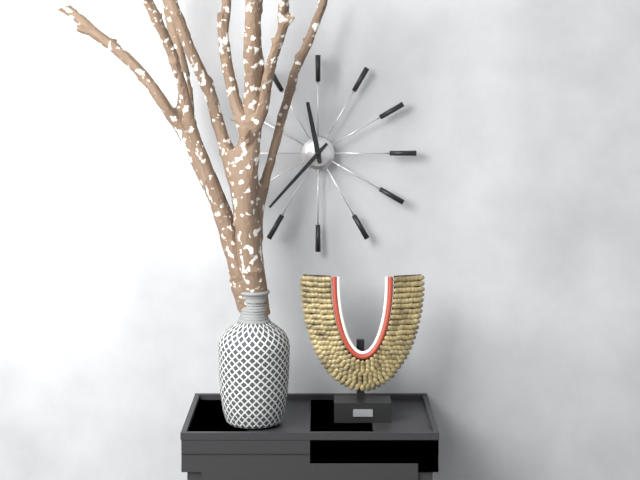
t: h=11 m=37
